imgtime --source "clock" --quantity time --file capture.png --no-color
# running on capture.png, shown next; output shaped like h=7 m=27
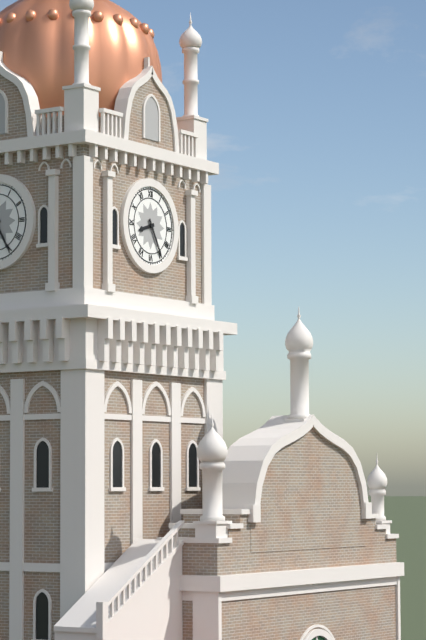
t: h=8 m=25
